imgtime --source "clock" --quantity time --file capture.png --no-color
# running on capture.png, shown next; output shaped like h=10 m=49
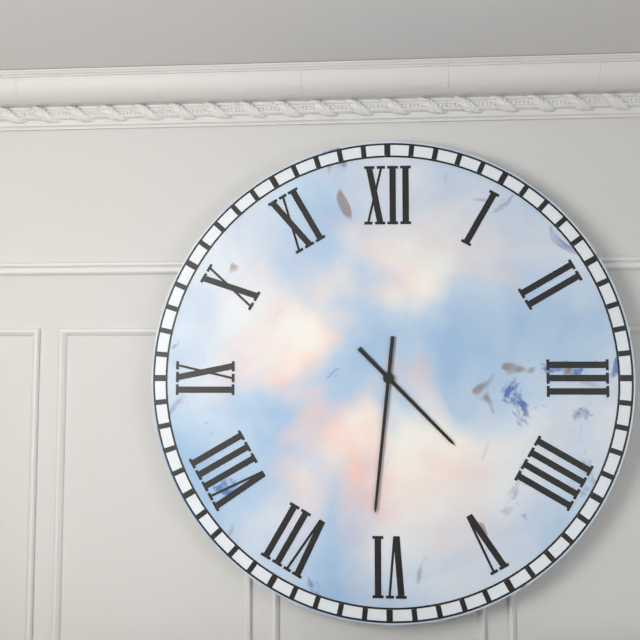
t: h=4 m=31
